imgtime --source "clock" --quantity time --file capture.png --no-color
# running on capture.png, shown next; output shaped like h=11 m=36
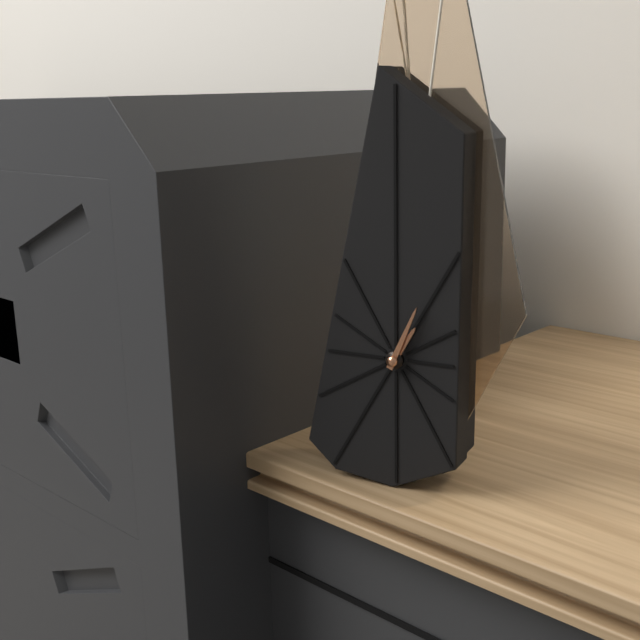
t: h=1 m=4
